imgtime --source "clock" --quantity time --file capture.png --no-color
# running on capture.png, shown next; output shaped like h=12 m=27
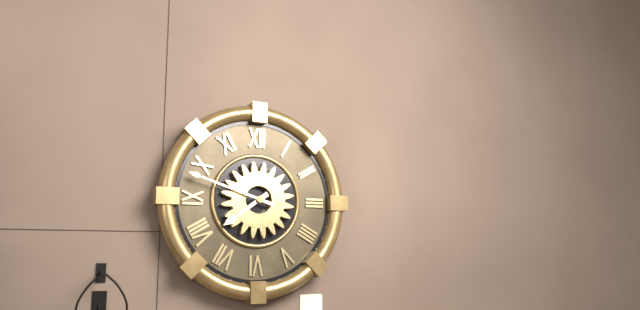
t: h=7 m=48
